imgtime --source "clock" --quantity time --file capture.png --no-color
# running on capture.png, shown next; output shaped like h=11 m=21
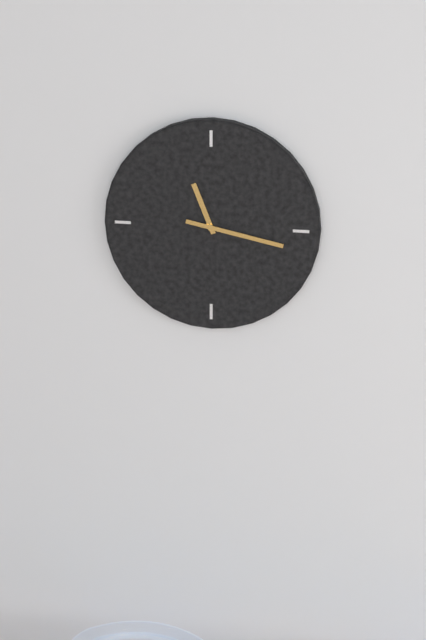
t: h=11 m=17
